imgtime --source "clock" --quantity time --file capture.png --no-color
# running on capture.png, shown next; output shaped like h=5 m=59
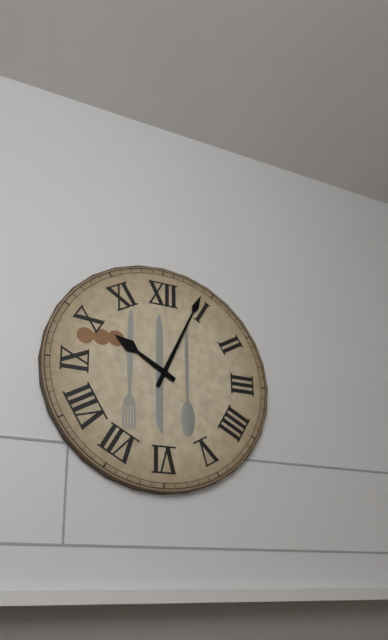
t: h=10 m=4
